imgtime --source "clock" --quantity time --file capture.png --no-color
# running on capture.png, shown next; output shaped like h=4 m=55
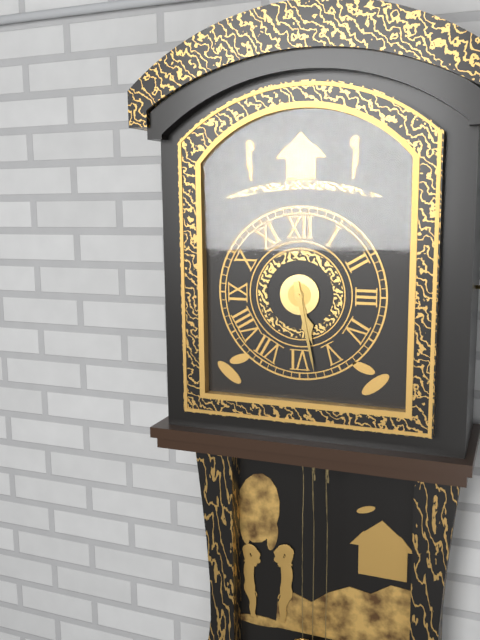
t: h=5 m=28
